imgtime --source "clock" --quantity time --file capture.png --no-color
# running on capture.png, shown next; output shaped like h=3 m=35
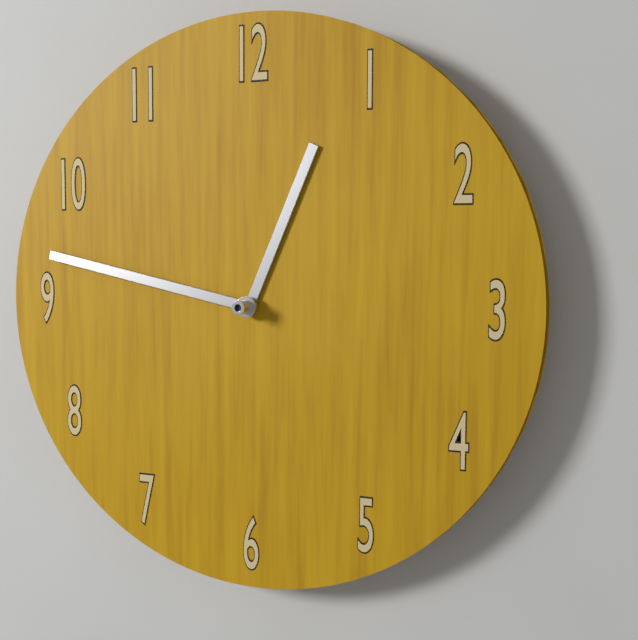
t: h=12 m=47
